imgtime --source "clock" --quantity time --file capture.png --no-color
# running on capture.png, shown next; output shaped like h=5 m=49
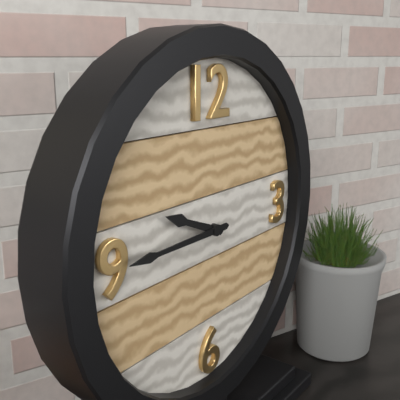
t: h=9 m=45
